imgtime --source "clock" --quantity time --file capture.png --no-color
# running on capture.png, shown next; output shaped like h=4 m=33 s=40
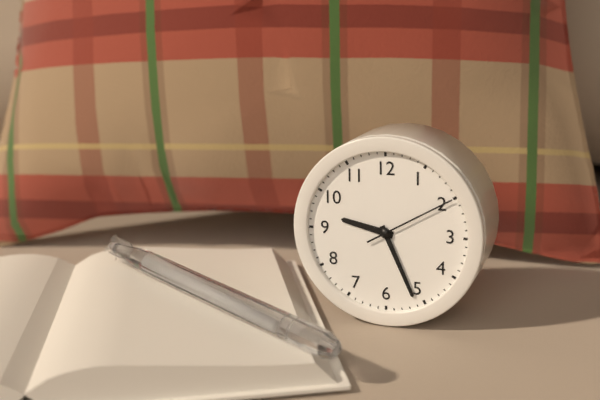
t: h=9 m=26 s=10
